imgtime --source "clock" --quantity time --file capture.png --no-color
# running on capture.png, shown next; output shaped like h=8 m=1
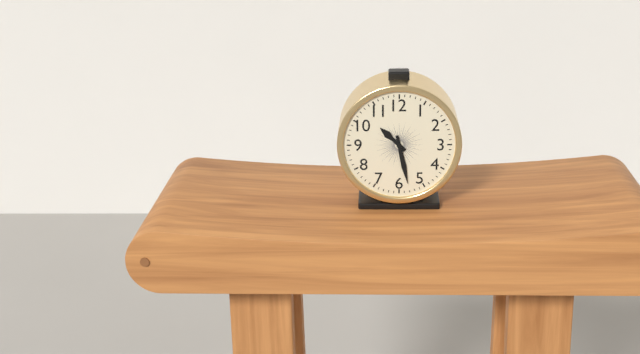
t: h=10 m=28
